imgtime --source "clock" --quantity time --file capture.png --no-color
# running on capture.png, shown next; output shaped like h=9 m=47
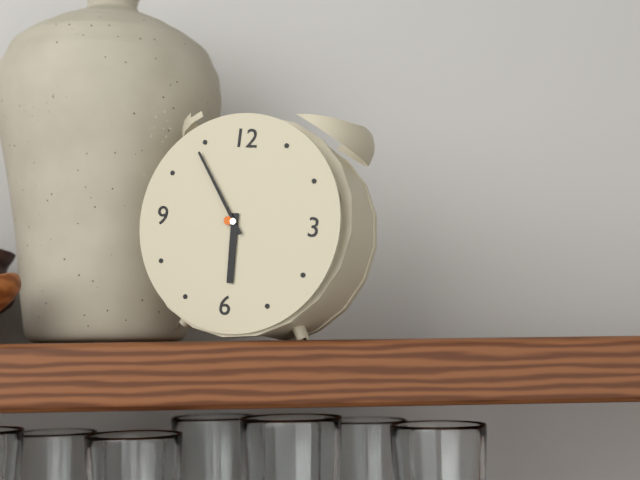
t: h=5 m=54
